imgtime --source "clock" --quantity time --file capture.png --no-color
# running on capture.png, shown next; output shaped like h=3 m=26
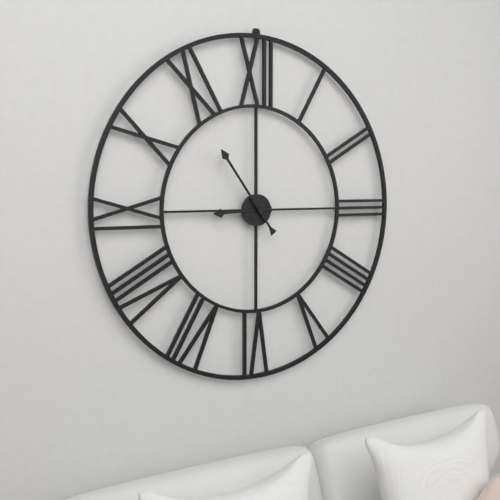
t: h=8 m=54
